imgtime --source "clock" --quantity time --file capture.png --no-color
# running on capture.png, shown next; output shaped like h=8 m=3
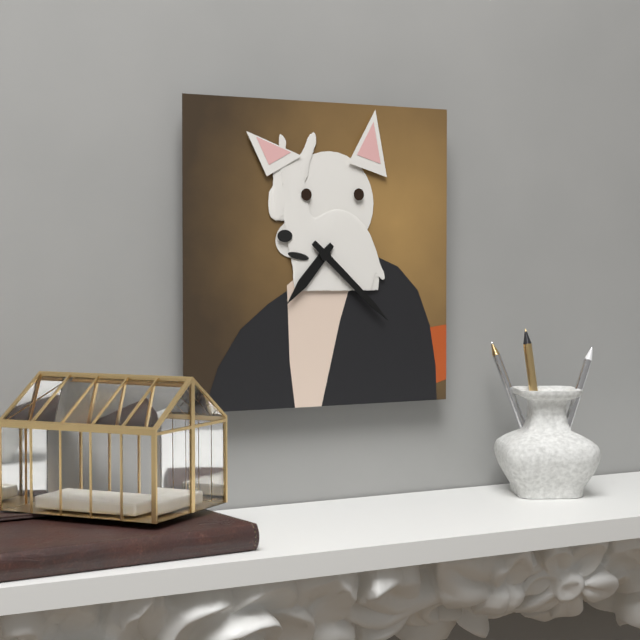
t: h=7 m=22
